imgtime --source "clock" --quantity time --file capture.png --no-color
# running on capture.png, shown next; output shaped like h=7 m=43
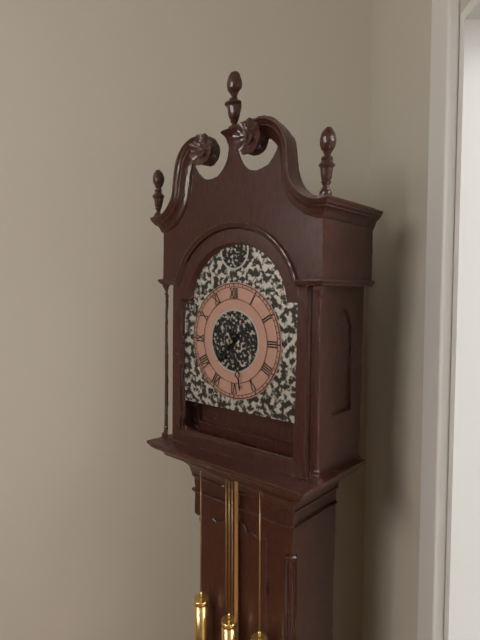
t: h=7 m=28
